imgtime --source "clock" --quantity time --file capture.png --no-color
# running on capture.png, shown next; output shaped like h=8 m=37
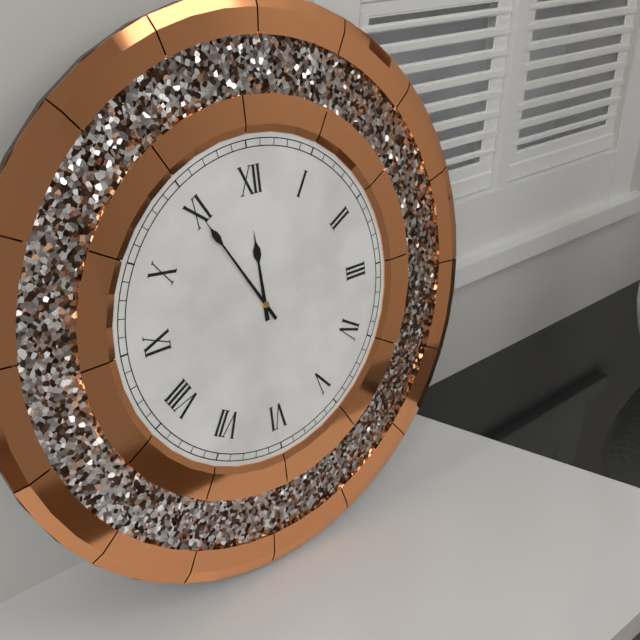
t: h=11 m=55
